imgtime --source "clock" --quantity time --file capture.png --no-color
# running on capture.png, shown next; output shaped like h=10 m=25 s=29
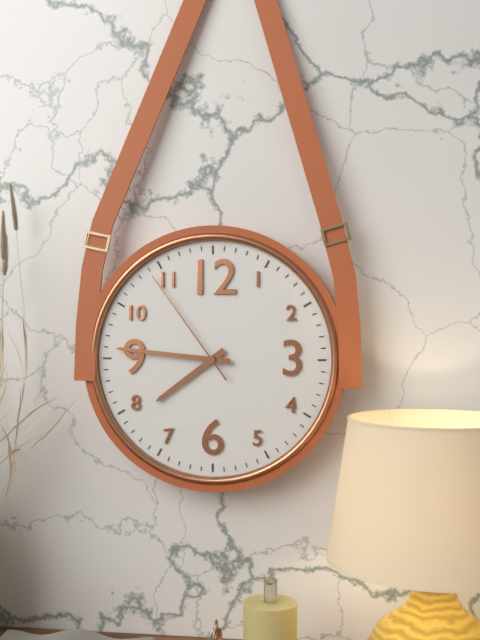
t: h=7 m=46 s=54
